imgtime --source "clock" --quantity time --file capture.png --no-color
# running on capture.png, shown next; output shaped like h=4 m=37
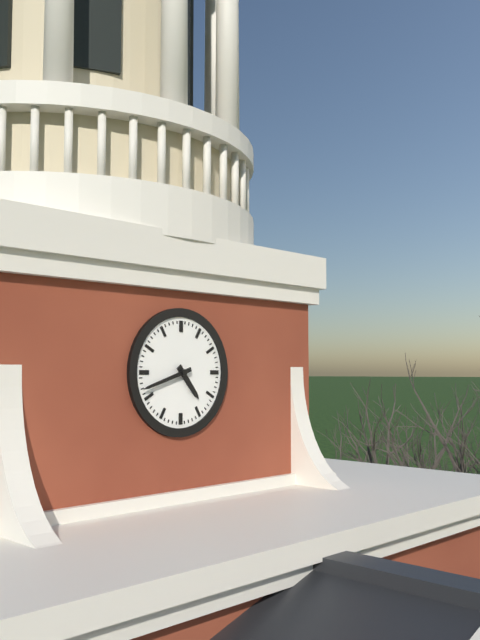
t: h=4 m=42
